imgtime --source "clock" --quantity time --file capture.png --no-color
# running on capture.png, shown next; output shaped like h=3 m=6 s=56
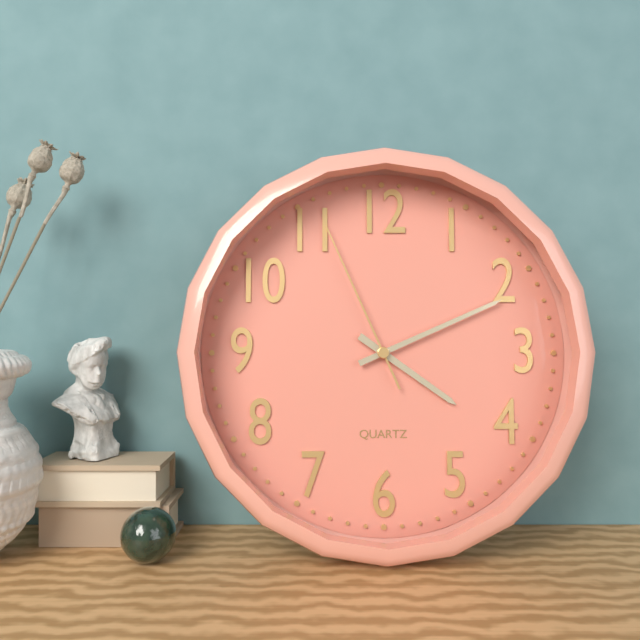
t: h=4 m=11 s=56
